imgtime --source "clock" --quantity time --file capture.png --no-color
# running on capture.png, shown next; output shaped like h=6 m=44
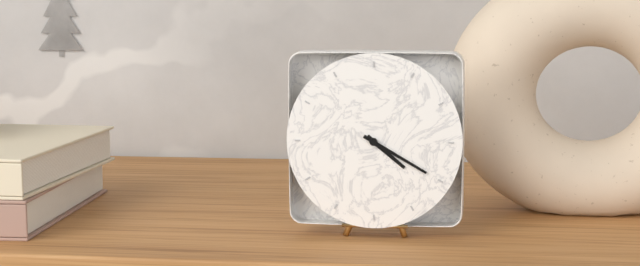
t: h=4 m=20
